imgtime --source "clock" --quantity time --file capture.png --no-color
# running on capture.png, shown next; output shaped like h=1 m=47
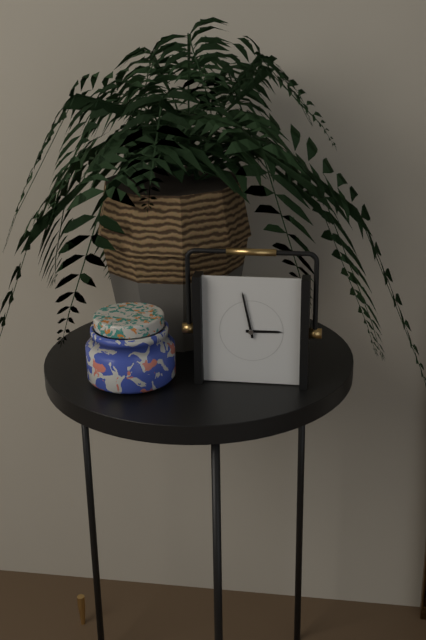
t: h=2 m=58
